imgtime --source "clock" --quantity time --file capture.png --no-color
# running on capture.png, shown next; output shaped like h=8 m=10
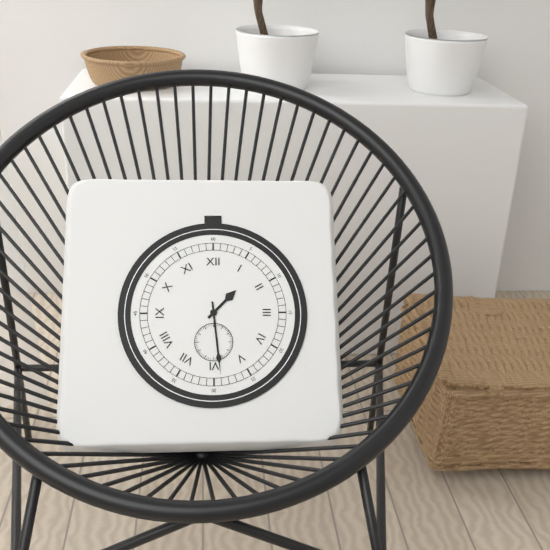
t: h=1 m=29
